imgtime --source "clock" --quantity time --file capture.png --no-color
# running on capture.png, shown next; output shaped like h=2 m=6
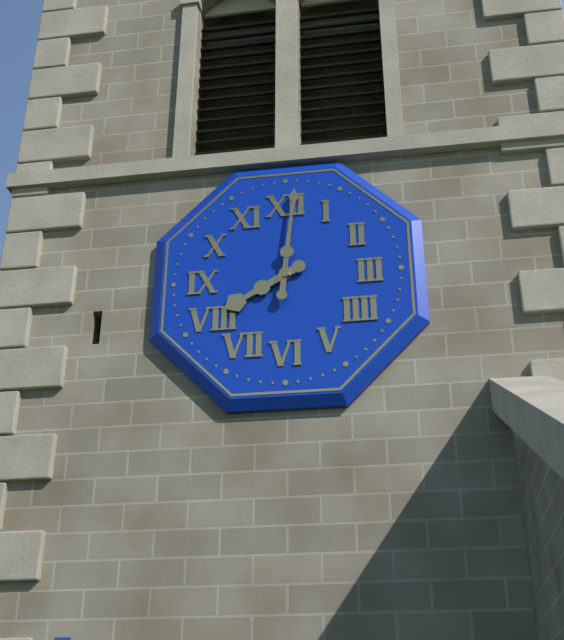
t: h=8 m=1
